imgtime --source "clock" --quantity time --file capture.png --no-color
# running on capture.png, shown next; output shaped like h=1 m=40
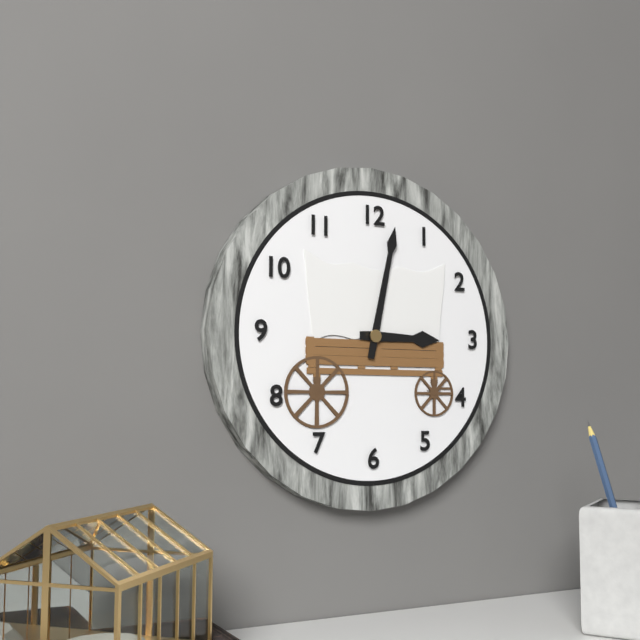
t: h=3 m=2
